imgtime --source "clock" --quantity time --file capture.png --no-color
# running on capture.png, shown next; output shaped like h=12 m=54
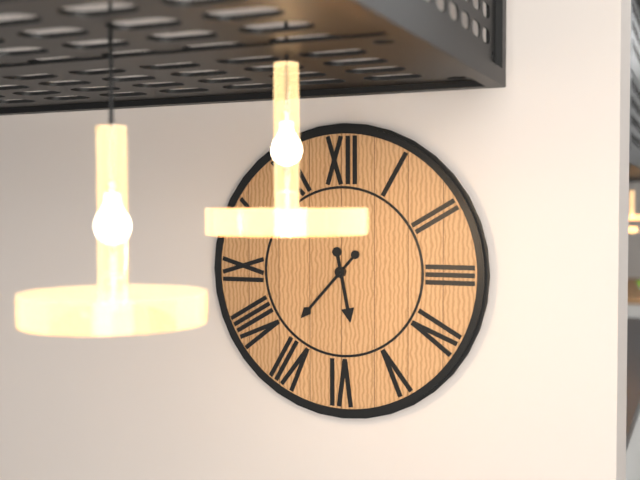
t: h=5 m=37
